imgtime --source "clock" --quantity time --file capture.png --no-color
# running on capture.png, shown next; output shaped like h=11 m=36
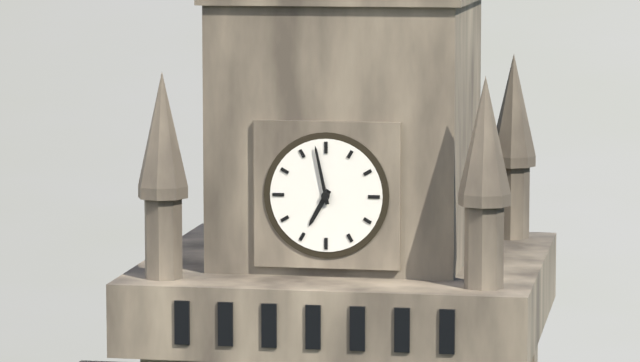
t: h=6 m=58
